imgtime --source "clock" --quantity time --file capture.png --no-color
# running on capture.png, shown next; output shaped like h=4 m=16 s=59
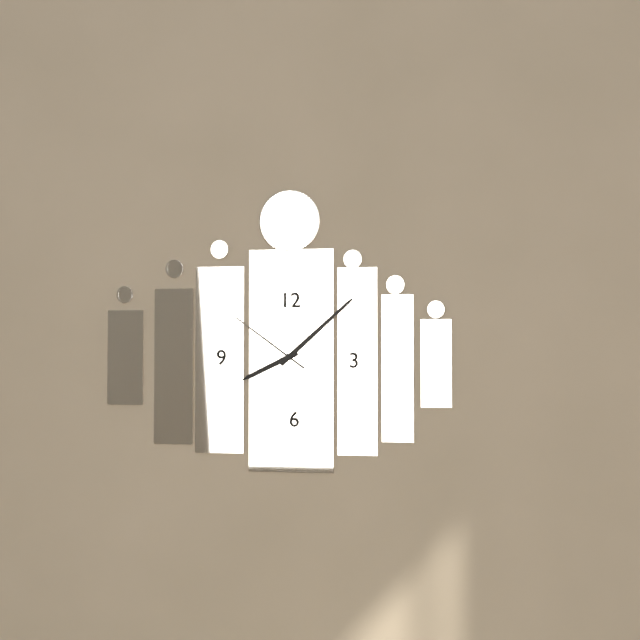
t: h=8 m=8 s=51
